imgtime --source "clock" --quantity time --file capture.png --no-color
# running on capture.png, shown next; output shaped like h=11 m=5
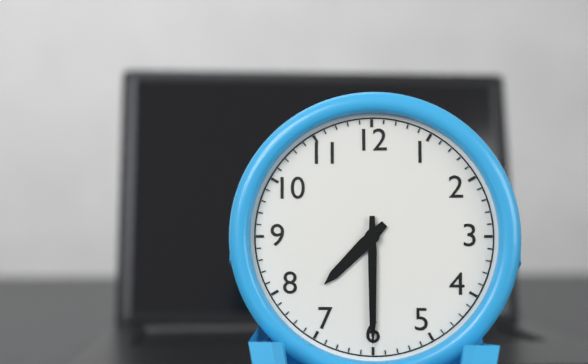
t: h=7 m=30
